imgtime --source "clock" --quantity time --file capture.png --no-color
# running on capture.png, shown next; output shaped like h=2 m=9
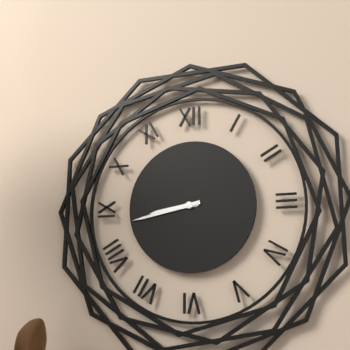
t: h=8 m=43
